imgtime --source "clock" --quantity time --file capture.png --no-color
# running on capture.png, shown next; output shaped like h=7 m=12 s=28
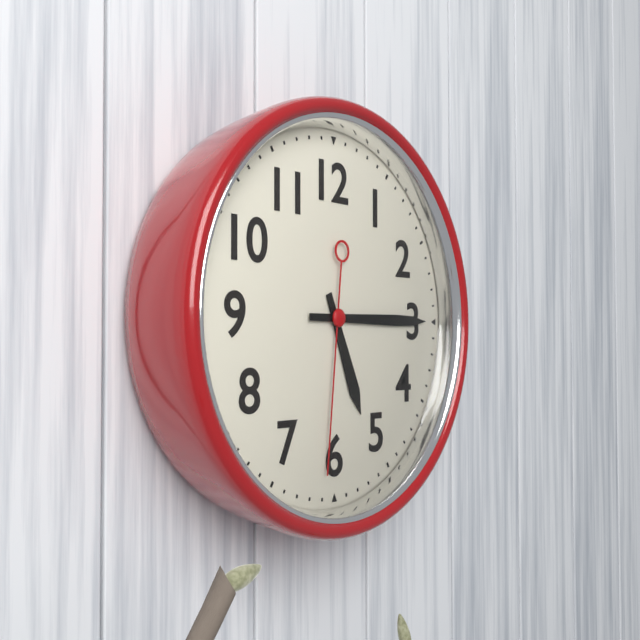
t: h=5 m=15 s=31
